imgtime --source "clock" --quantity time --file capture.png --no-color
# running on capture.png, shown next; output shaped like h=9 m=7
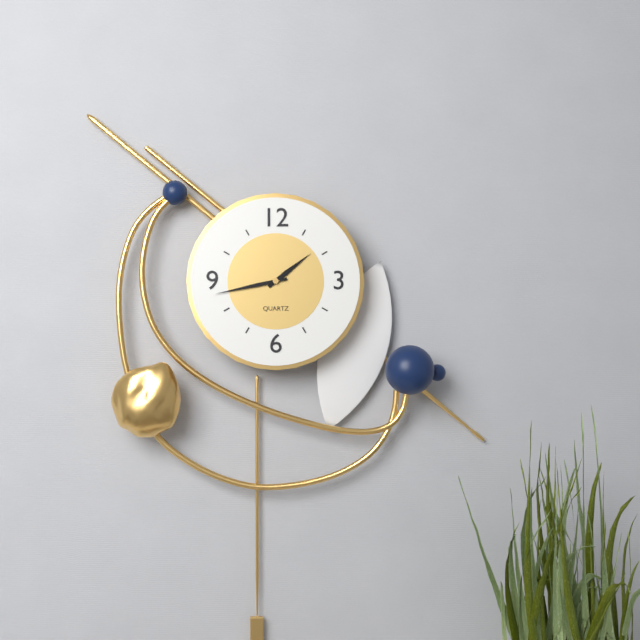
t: h=1 m=43
